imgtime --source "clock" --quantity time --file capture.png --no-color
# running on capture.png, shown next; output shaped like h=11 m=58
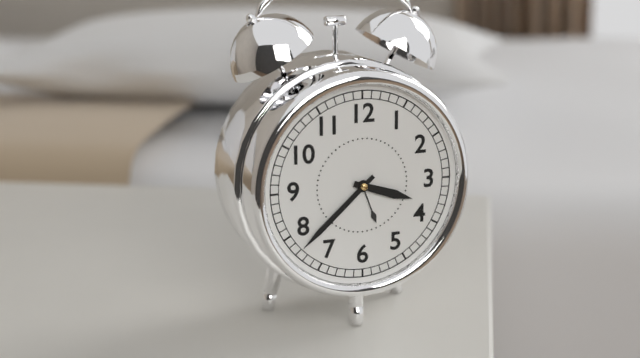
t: h=3 m=38
